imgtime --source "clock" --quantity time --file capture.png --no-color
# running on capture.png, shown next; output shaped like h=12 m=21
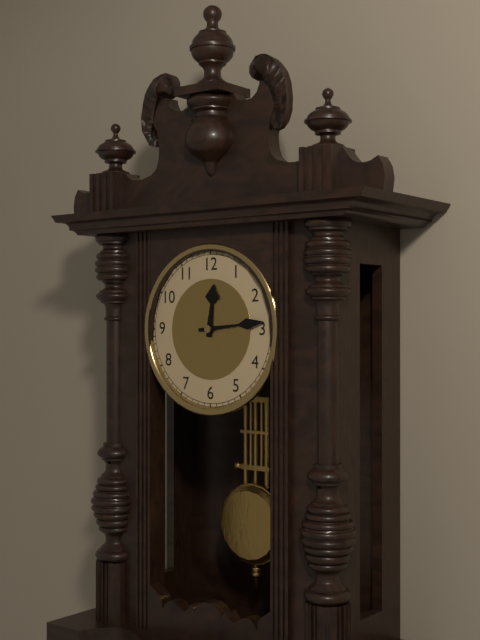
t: h=12 m=14
